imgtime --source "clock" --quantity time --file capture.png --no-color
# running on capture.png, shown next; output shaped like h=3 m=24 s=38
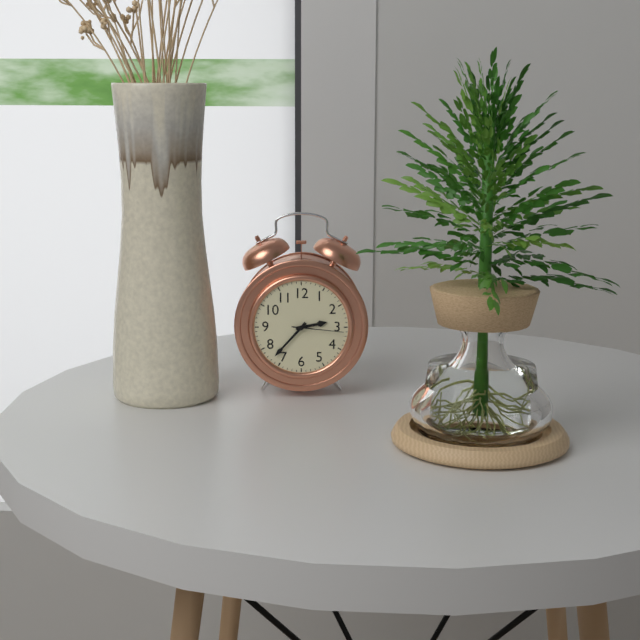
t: h=2 m=37 s=16
